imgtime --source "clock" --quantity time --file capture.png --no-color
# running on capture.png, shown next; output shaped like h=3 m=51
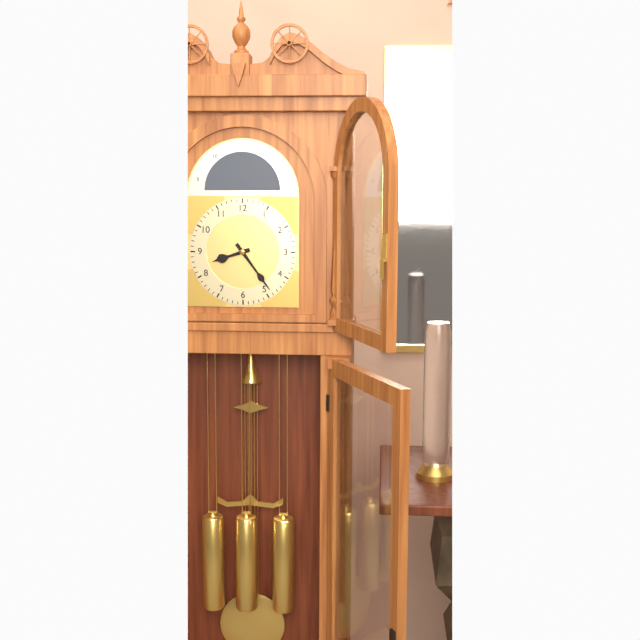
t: h=8 m=24
